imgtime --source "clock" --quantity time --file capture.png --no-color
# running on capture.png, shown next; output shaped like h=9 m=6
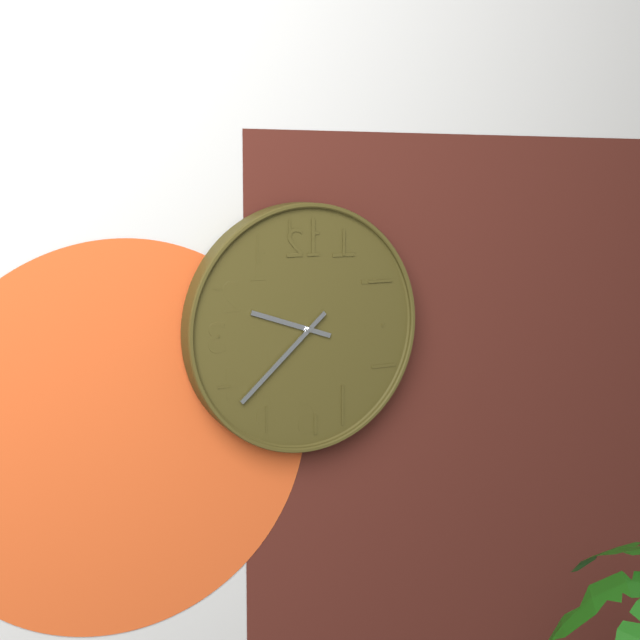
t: h=9 m=38
